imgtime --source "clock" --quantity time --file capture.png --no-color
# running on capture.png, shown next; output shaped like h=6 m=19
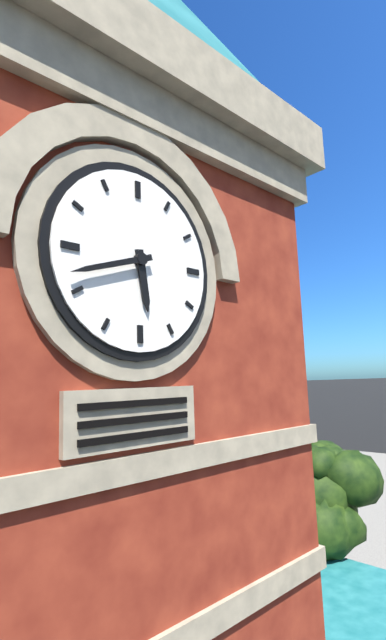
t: h=5 m=42
